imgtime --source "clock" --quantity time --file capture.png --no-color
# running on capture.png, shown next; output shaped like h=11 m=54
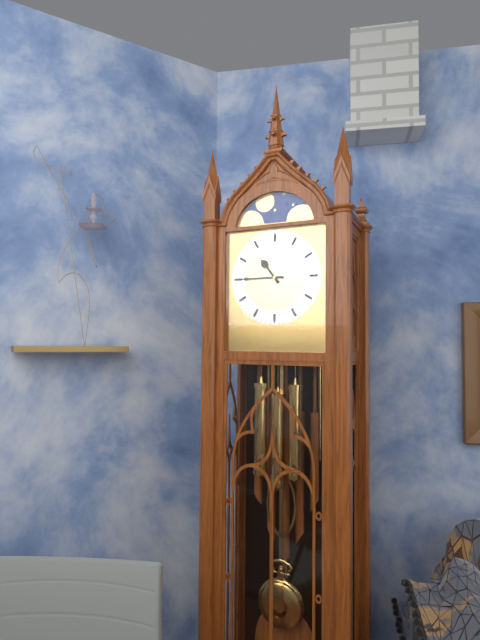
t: h=10 m=45
